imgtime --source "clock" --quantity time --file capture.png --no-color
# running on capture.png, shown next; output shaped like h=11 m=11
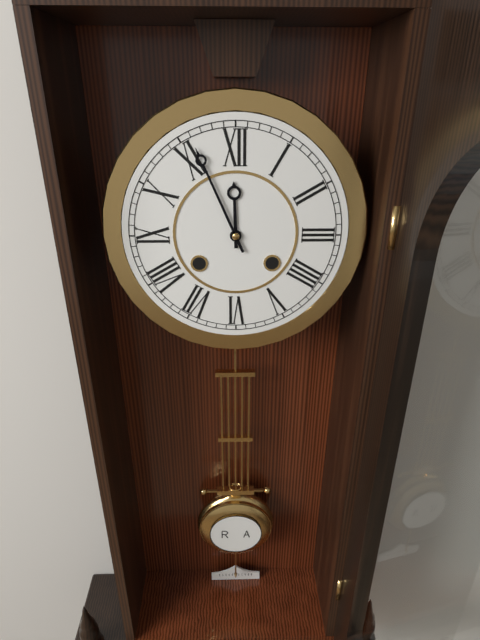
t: h=11 m=56
